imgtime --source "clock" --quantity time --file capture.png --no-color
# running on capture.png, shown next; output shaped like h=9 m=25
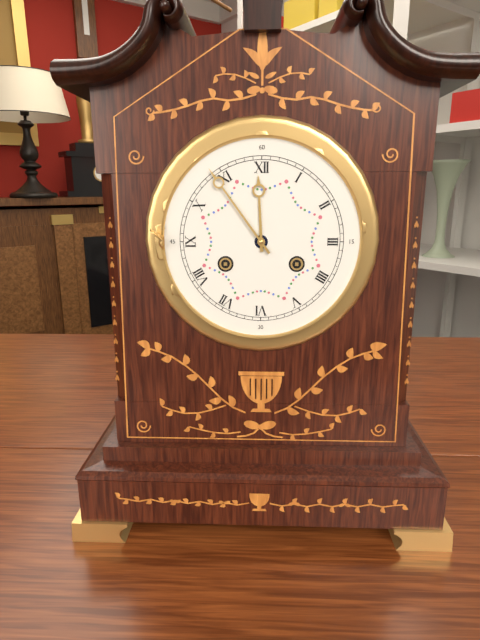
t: h=11 m=54
